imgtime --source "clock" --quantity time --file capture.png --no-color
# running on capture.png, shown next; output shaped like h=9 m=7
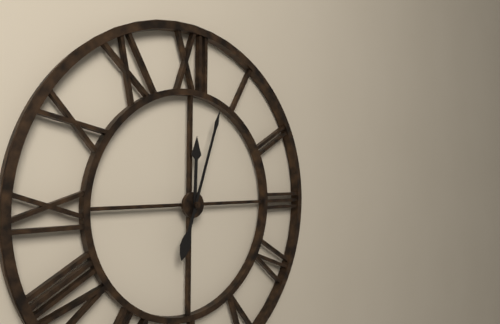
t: h=12 m=3
